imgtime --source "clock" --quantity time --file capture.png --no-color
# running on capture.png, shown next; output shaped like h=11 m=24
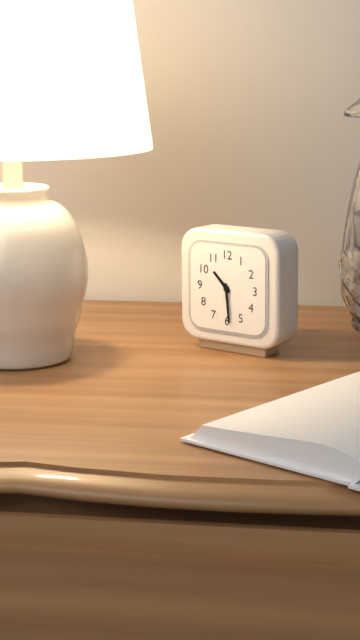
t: h=10 m=29
